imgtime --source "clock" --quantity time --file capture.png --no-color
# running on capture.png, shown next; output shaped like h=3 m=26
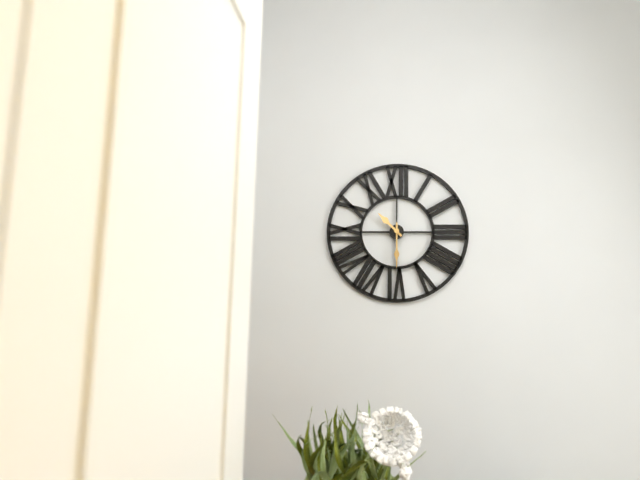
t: h=10 m=30
